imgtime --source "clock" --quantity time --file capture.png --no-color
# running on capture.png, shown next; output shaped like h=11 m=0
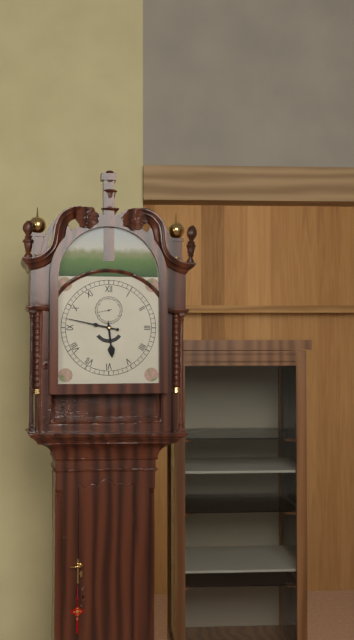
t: h=5 m=47
